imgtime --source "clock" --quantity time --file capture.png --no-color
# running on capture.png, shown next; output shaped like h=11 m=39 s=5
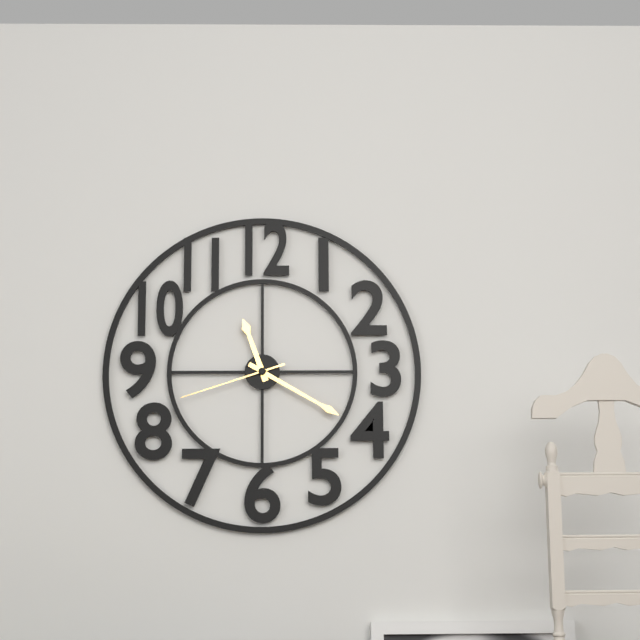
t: h=11 m=20 s=42
